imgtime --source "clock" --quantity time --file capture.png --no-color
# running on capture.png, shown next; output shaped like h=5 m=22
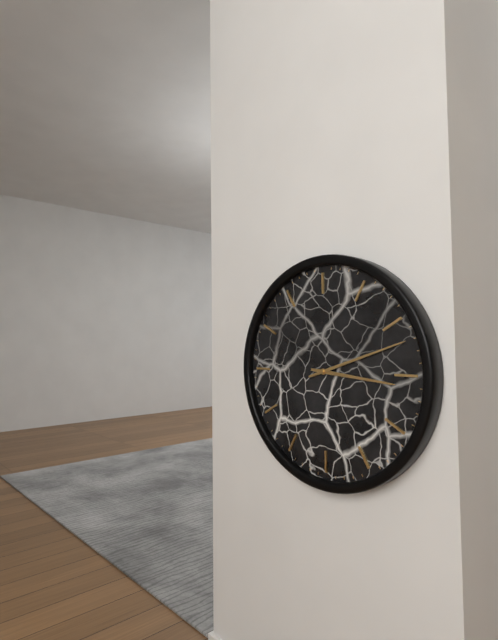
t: h=3 m=12
